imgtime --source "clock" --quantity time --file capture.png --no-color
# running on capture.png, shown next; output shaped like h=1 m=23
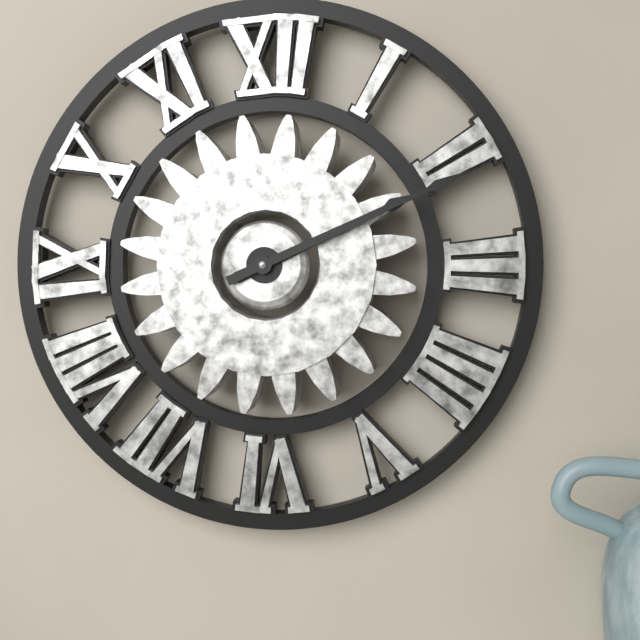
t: h=2 m=11
